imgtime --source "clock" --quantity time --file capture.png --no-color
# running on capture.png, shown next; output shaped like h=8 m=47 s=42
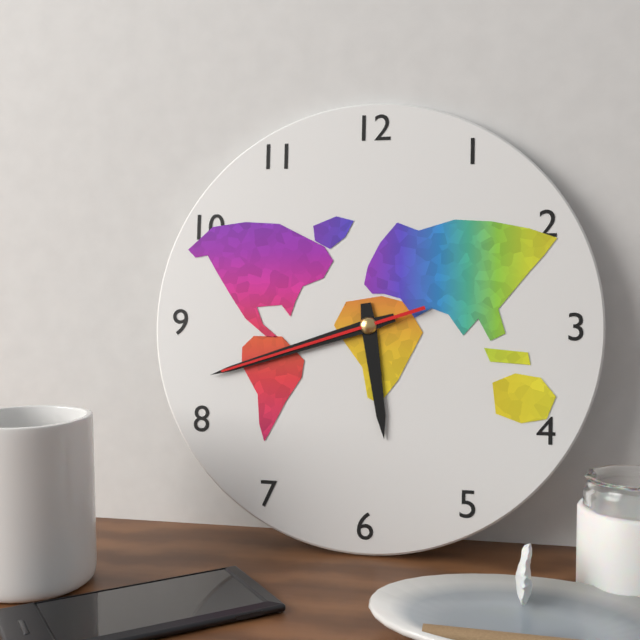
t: h=5 m=42 s=42
